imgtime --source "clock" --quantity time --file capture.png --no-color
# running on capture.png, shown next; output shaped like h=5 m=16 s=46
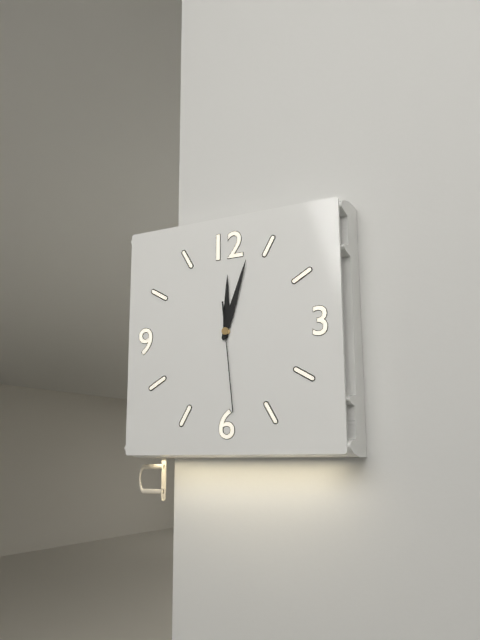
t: h=12 m=3 s=29
